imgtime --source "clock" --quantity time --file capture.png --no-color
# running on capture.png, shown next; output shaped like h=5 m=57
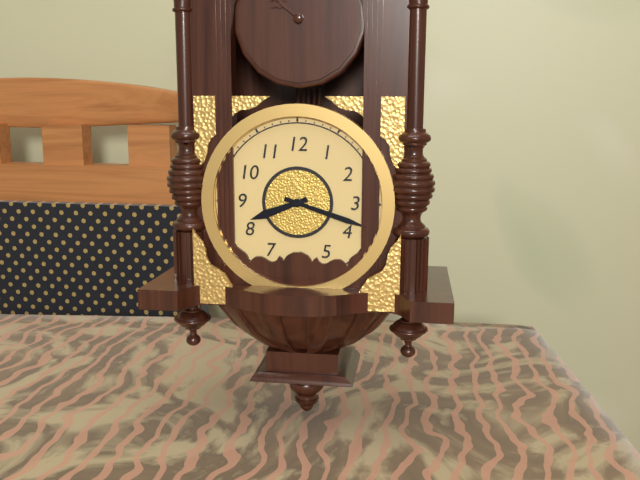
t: h=8 m=18
